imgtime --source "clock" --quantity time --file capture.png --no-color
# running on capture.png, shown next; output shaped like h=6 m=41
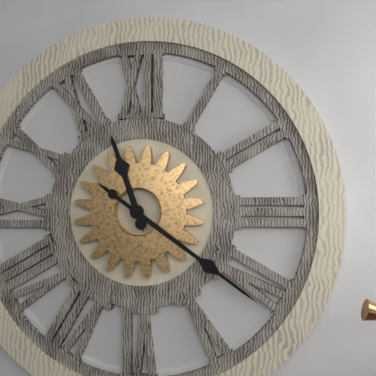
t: h=11 m=21
